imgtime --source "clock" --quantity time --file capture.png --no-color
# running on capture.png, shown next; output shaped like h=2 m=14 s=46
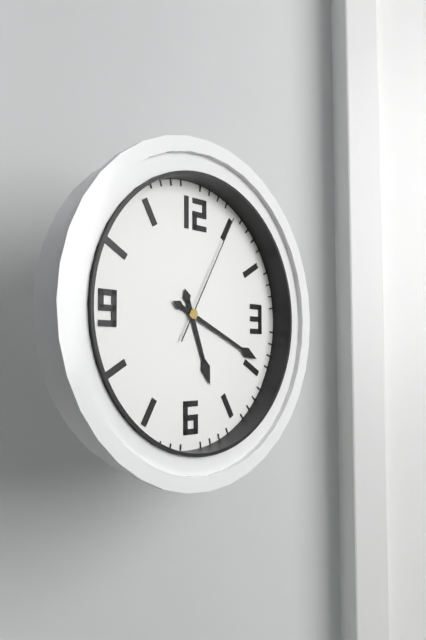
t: h=5 m=19 s=5
